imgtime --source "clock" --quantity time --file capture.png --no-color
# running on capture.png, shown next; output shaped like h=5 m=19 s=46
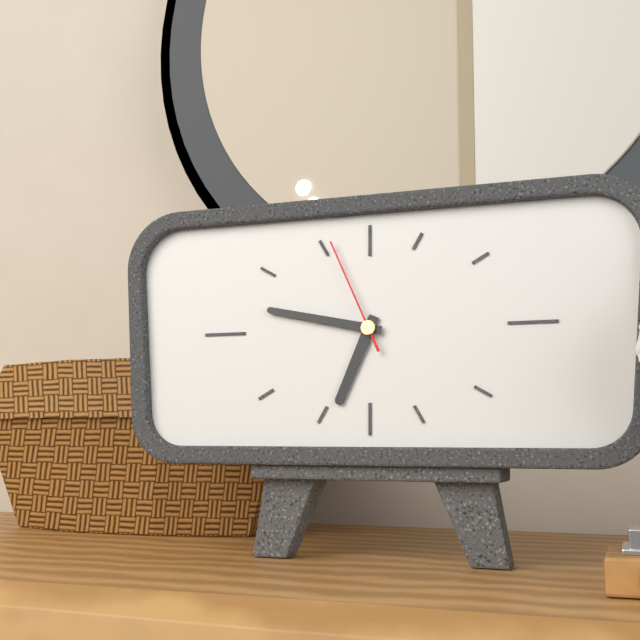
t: h=6 m=47 s=56
